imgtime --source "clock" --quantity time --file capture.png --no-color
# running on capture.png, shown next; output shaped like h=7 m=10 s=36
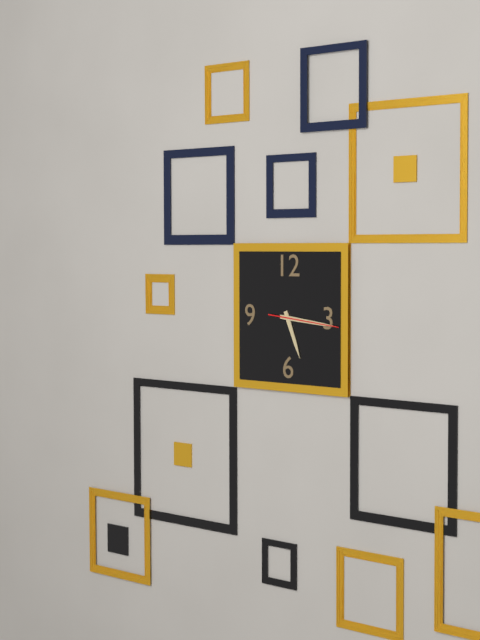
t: h=5 m=16 s=16
